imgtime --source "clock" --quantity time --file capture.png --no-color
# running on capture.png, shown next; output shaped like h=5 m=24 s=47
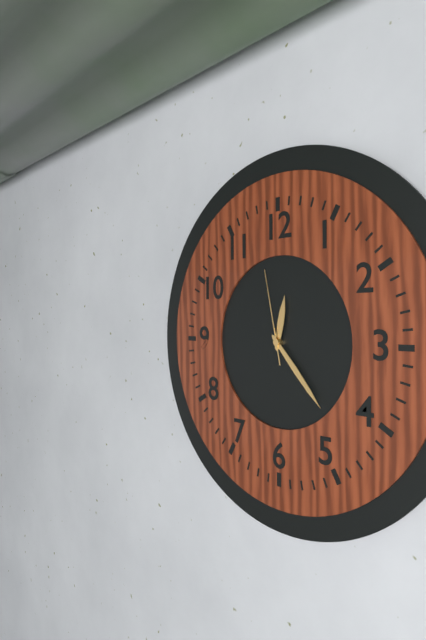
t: h=12 m=23 s=58
